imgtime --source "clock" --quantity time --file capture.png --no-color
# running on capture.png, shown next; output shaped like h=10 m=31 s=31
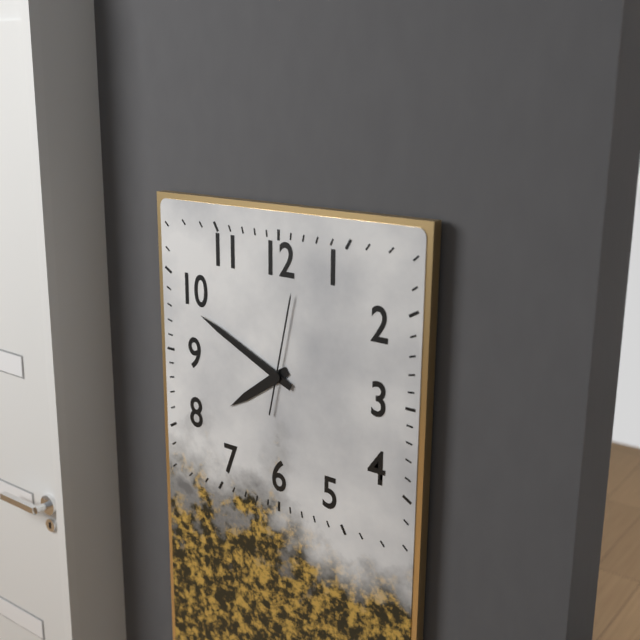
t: h=7 m=49 s=2
